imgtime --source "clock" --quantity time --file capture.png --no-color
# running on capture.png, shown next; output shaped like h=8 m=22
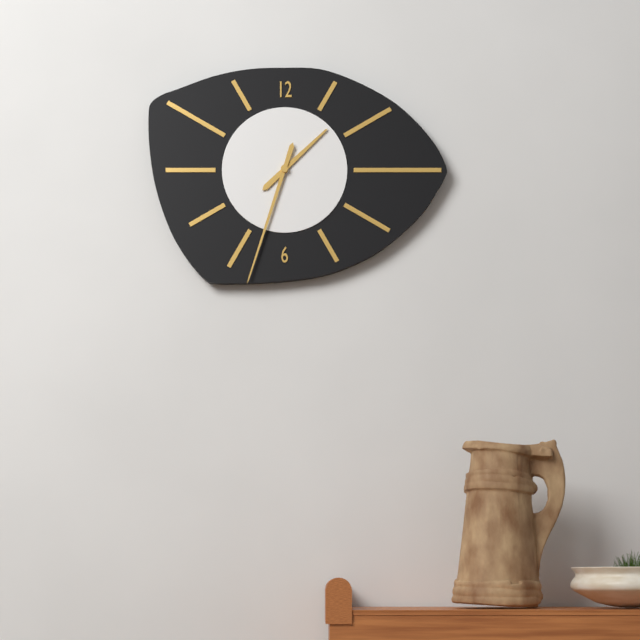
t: h=1 m=33
